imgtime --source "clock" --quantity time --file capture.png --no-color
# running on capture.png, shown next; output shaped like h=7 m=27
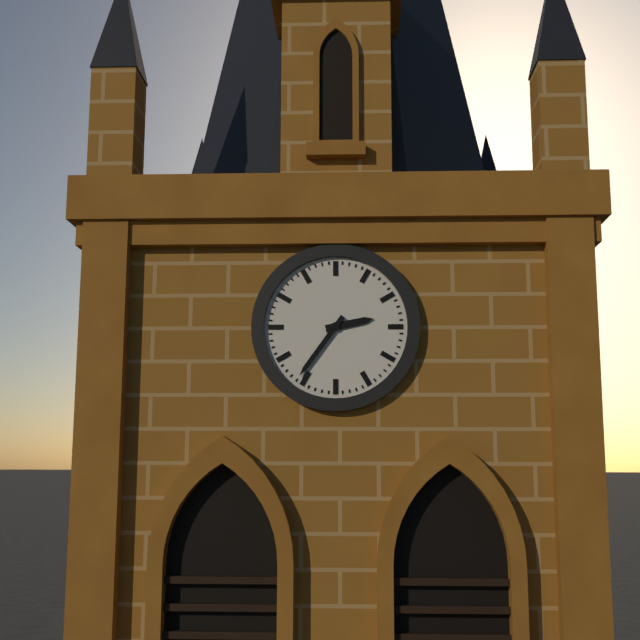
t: h=2 m=36
